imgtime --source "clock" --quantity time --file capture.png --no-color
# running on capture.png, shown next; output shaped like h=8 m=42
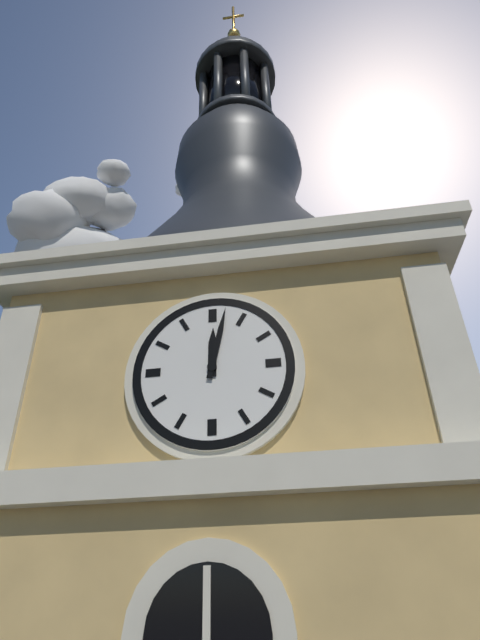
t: h=12 m=2
